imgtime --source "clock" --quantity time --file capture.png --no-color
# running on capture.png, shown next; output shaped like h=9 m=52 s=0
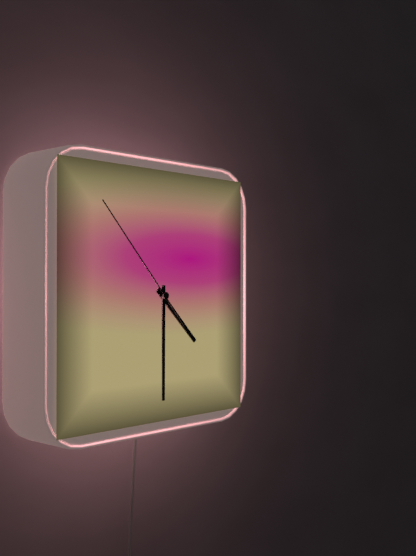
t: h=4 m=30 s=53
